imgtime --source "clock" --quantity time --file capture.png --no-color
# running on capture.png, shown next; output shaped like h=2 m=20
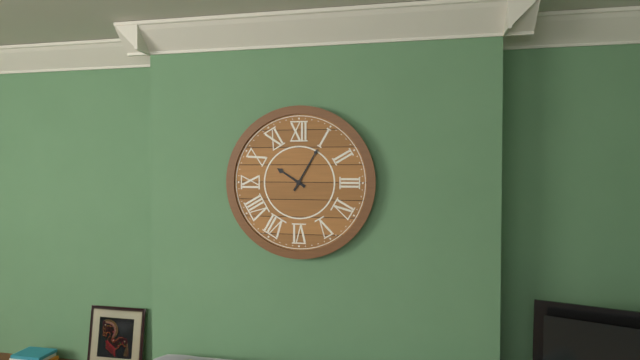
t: h=10 m=5
